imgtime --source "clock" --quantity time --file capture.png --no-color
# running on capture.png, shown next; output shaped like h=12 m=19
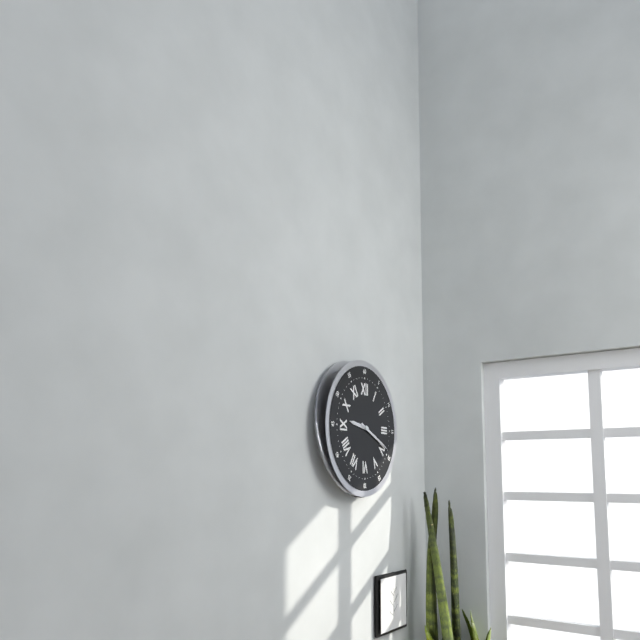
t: h=9 m=19
